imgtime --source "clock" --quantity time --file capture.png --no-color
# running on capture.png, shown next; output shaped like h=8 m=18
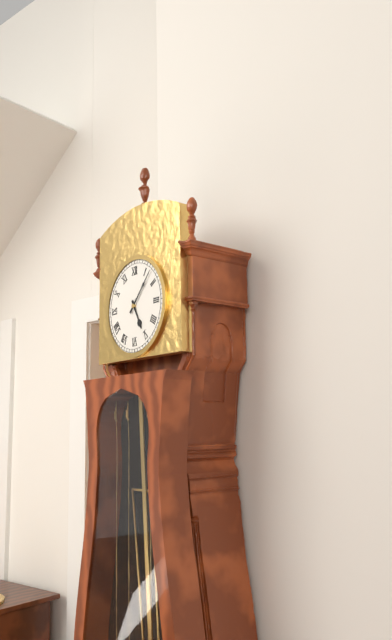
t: h=5 m=7
